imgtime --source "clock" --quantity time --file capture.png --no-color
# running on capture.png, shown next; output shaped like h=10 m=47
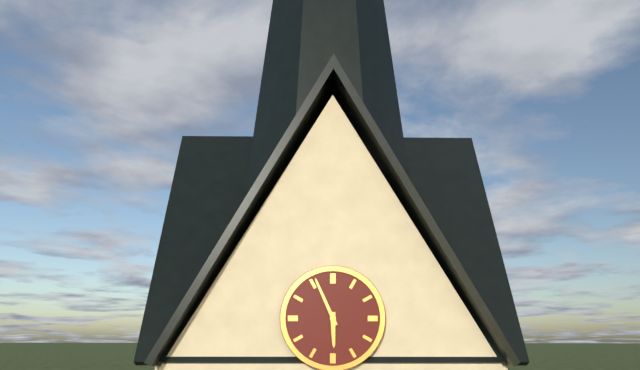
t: h=5 m=56
